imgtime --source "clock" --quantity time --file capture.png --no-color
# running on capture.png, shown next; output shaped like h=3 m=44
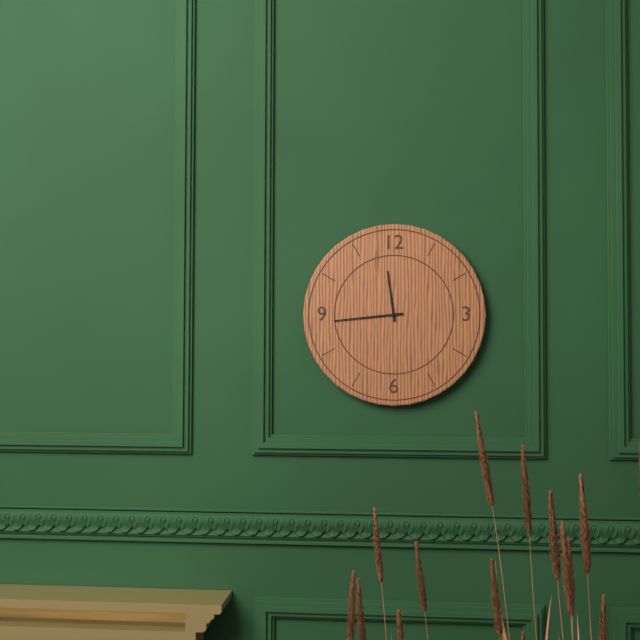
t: h=11 m=44
